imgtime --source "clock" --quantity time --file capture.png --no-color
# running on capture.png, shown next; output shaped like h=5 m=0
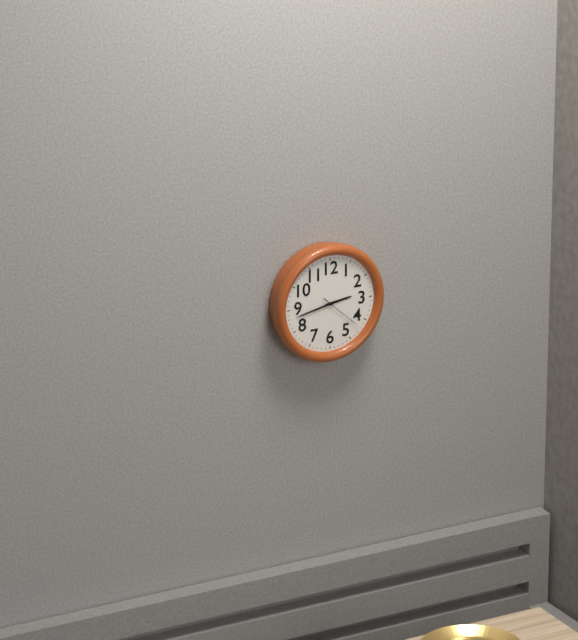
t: h=2 m=43
